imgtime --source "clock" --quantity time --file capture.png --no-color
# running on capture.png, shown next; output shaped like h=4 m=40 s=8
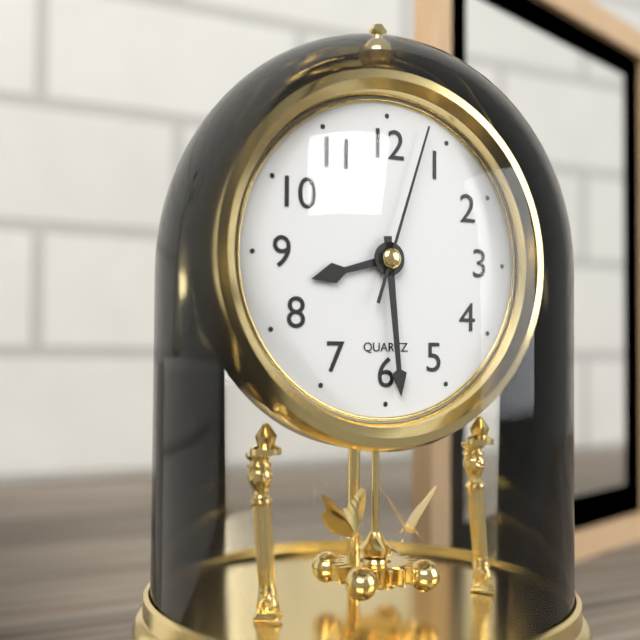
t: h=8 m=29 s=3
